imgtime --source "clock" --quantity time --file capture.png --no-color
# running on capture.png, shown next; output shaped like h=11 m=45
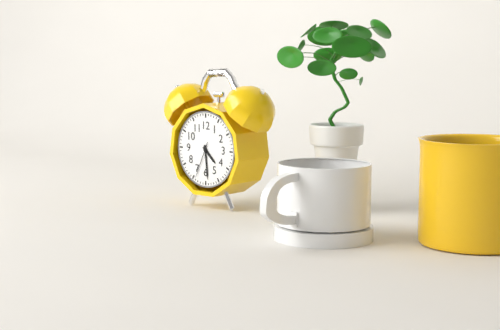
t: h=4 m=29
